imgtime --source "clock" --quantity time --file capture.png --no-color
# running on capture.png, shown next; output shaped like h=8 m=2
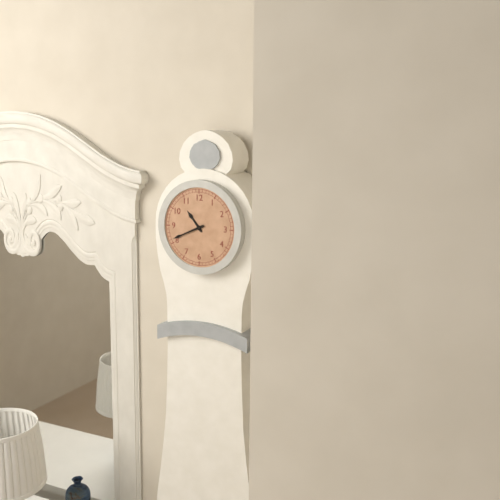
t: h=10 m=41
